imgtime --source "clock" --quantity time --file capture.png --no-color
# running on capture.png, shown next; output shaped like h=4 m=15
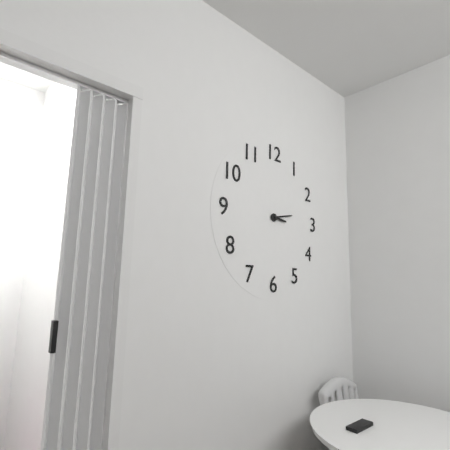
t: h=3 m=13
